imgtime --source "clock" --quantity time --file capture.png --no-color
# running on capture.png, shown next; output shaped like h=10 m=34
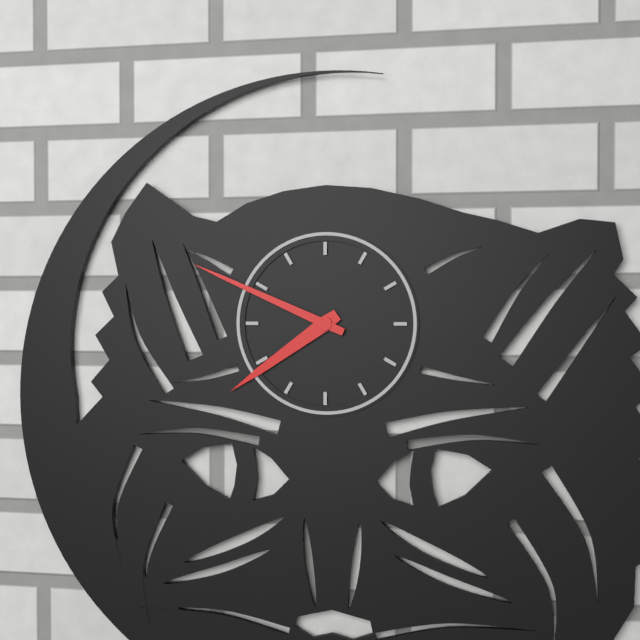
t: h=7 m=49
